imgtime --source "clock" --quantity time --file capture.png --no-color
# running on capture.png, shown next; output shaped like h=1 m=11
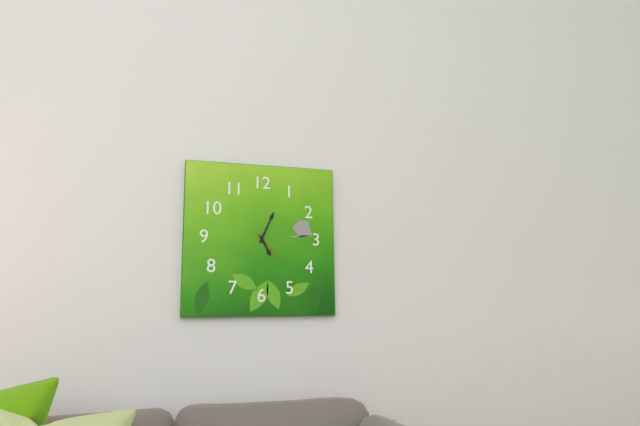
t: h=5 m=4
